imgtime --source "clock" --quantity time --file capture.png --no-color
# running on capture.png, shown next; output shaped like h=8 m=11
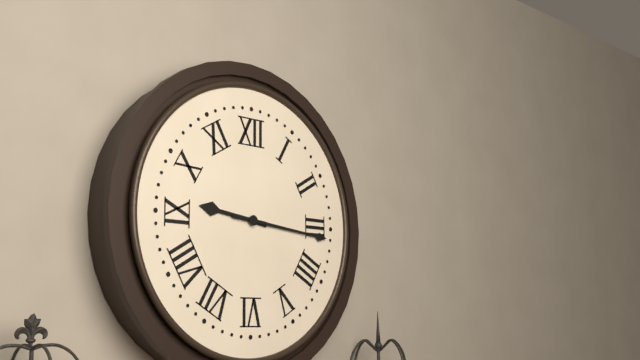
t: h=9 m=16
